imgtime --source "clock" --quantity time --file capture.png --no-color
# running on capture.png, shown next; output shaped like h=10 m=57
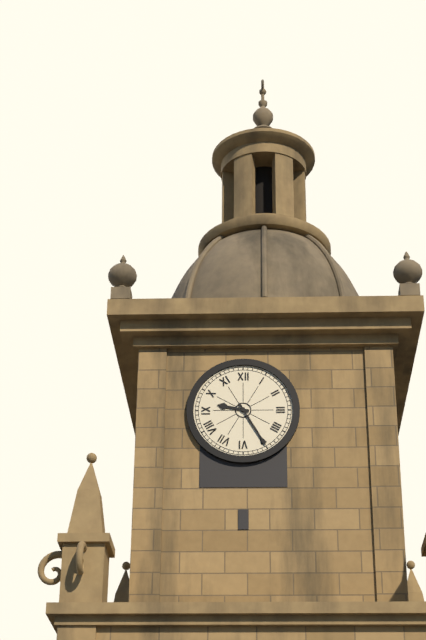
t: h=9 m=25
